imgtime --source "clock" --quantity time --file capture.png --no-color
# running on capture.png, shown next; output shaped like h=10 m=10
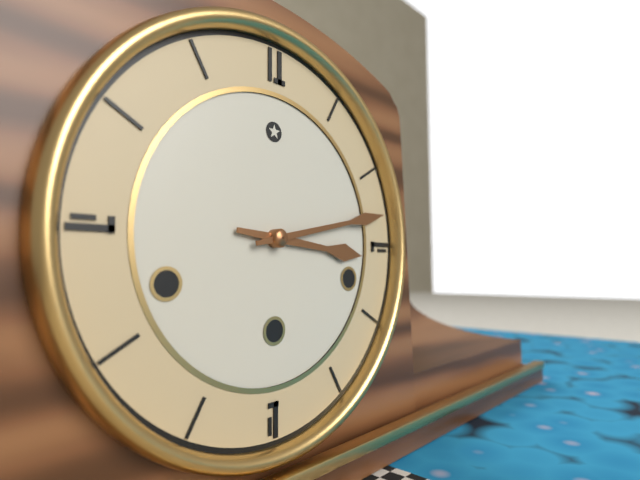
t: h=3 m=13
